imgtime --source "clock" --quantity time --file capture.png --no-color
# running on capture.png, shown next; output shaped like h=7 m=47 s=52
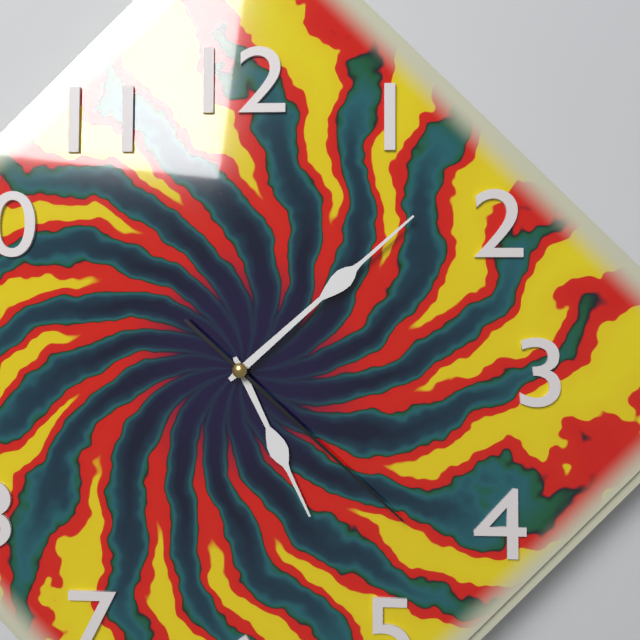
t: h=5 m=8 s=22
